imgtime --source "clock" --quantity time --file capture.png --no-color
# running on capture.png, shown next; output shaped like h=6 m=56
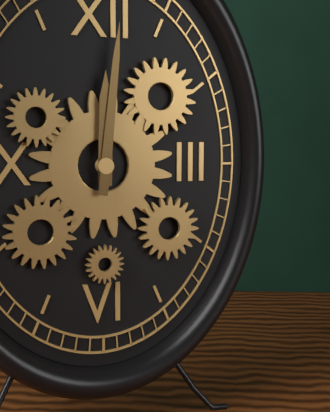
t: h=12 m=1
